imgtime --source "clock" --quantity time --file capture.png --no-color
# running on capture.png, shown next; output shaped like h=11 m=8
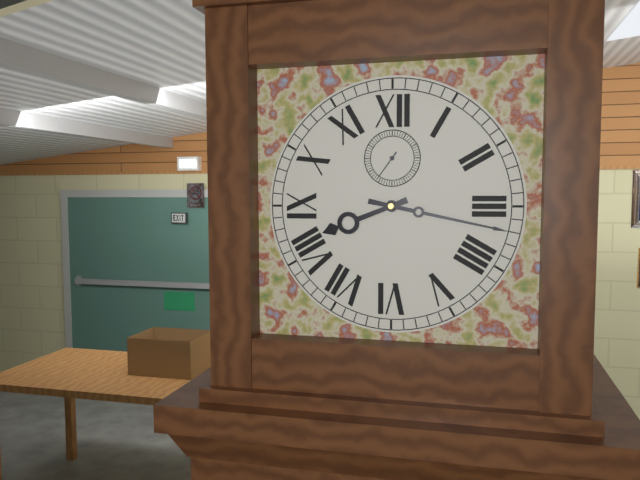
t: h=8 m=17
